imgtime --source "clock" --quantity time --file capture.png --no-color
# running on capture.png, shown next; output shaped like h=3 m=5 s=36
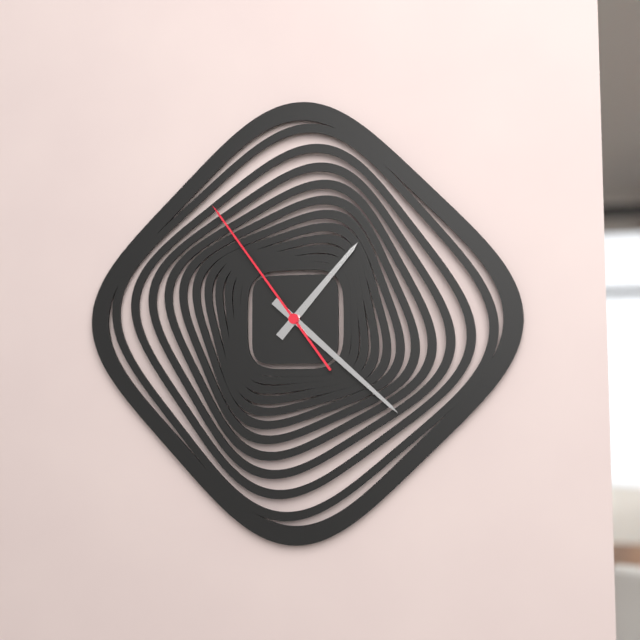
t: h=1 m=22 s=54
